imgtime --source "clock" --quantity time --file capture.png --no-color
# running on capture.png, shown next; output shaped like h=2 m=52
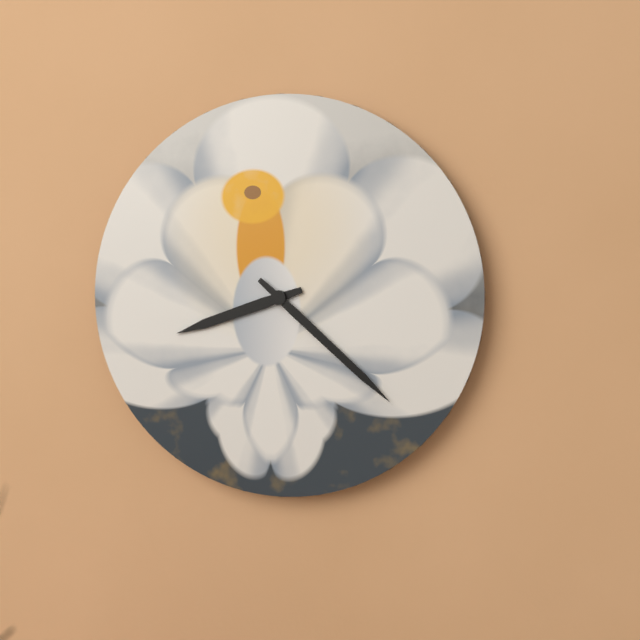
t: h=8 m=22
